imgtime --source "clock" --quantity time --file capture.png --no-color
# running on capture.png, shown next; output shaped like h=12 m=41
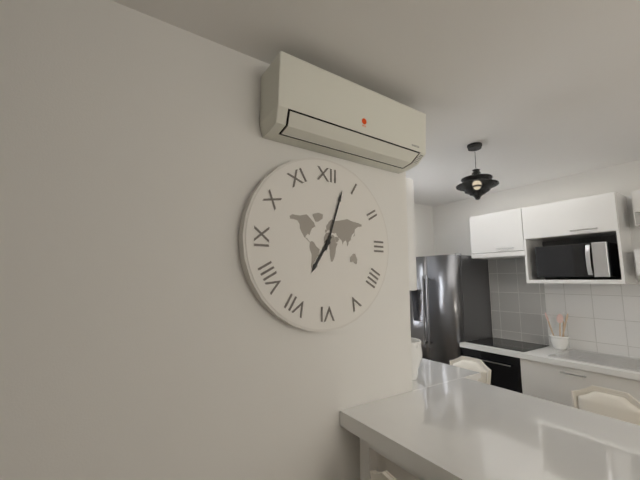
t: h=7 m=3
